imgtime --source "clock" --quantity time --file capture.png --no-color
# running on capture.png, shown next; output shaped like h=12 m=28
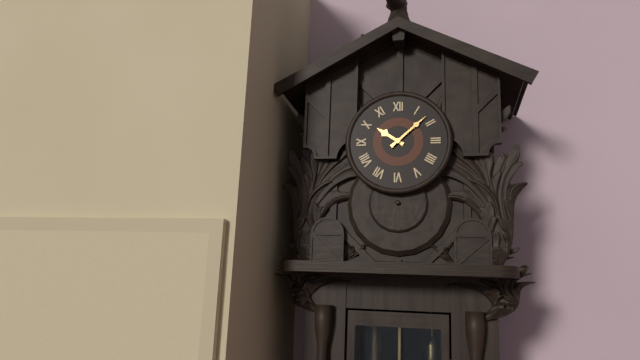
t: h=10 m=8
